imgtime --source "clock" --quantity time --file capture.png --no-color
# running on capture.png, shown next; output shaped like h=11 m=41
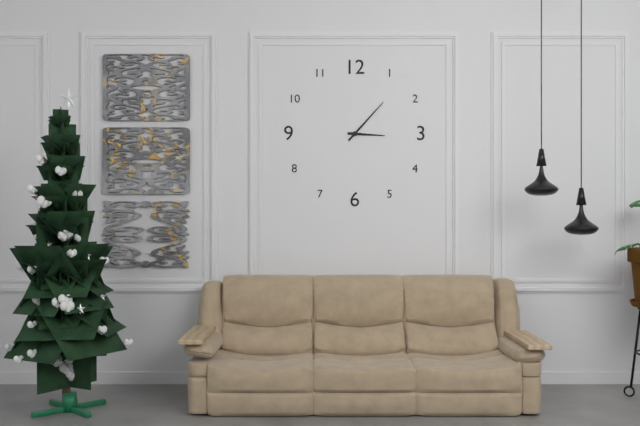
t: h=3 m=7
